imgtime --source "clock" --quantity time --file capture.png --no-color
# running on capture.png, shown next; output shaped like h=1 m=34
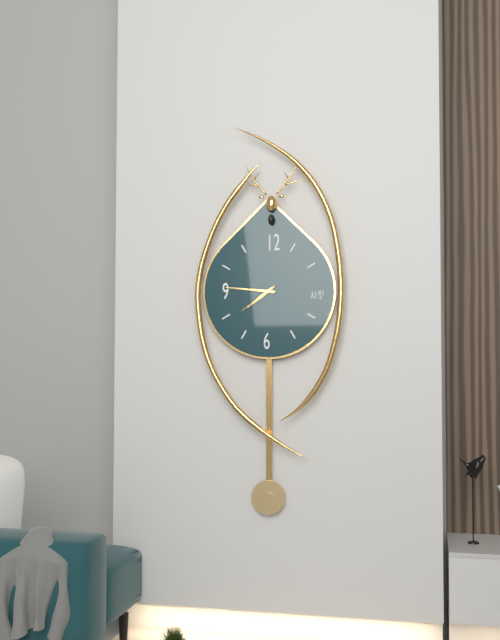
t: h=7 m=46
